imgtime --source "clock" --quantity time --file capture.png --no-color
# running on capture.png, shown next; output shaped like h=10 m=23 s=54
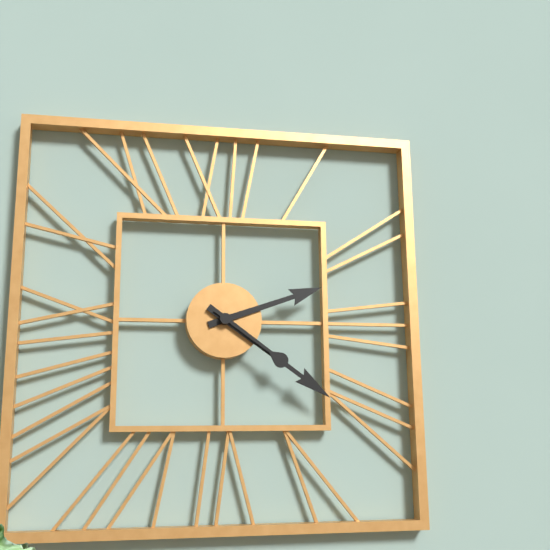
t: h=2 m=21 s=21
